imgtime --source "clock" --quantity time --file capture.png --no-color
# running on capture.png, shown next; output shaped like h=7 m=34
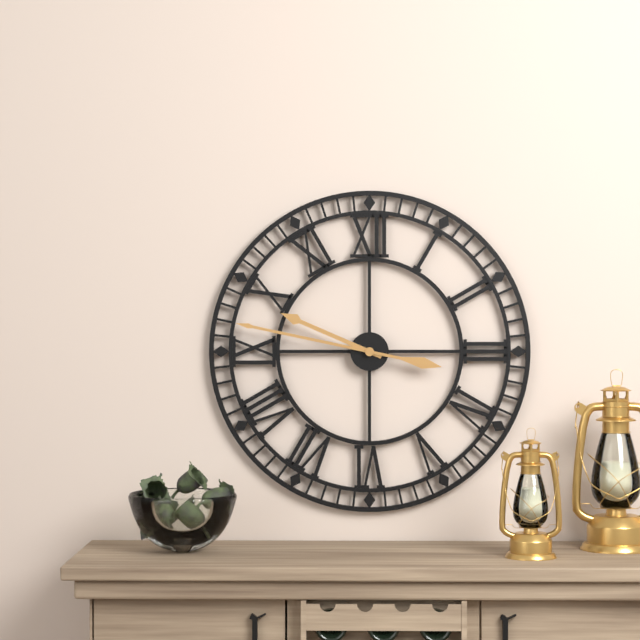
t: h=9 m=47
